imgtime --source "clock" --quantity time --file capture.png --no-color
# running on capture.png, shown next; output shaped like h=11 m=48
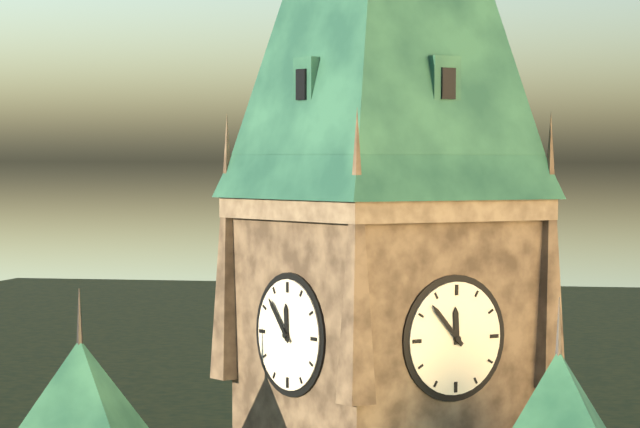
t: h=11 m=53
